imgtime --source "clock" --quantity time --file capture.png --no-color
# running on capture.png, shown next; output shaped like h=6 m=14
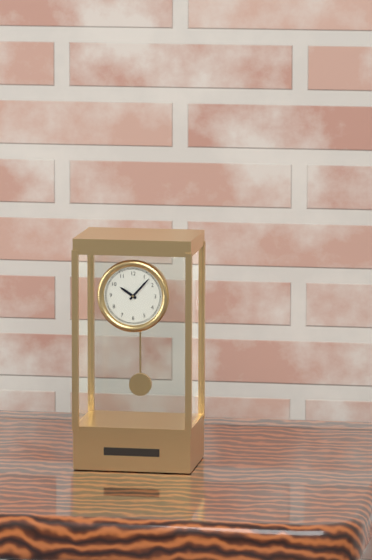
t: h=10 m=7
